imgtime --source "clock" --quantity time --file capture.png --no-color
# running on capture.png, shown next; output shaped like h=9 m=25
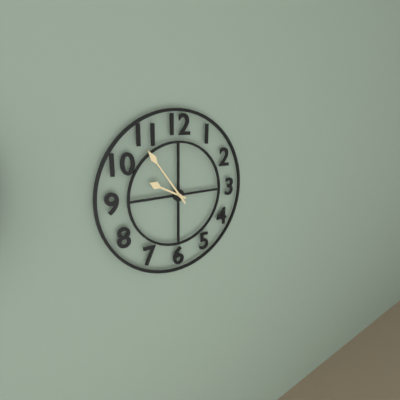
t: h=9 m=54
